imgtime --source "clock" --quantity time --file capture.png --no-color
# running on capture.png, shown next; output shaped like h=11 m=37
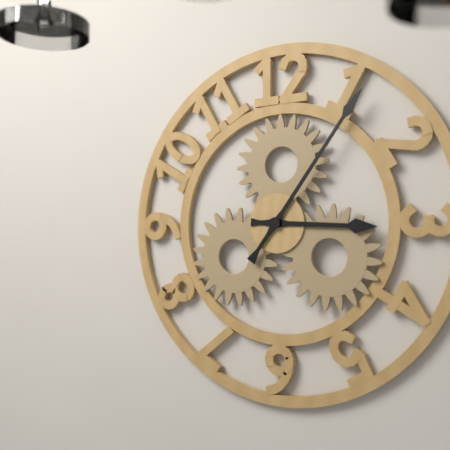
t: h=3 m=6
